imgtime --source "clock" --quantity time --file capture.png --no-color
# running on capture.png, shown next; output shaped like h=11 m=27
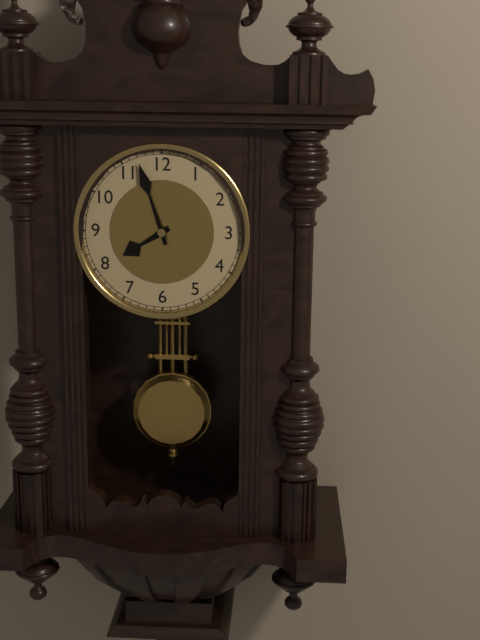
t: h=7 m=57
